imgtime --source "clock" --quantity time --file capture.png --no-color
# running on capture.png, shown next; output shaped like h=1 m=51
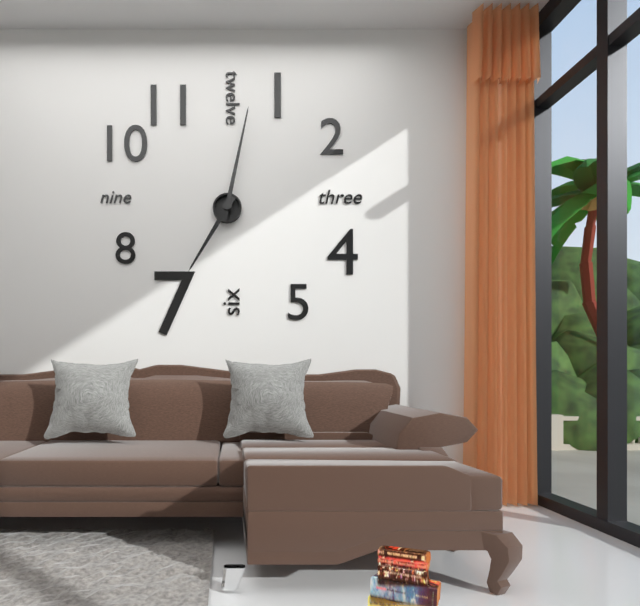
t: h=7 m=2
